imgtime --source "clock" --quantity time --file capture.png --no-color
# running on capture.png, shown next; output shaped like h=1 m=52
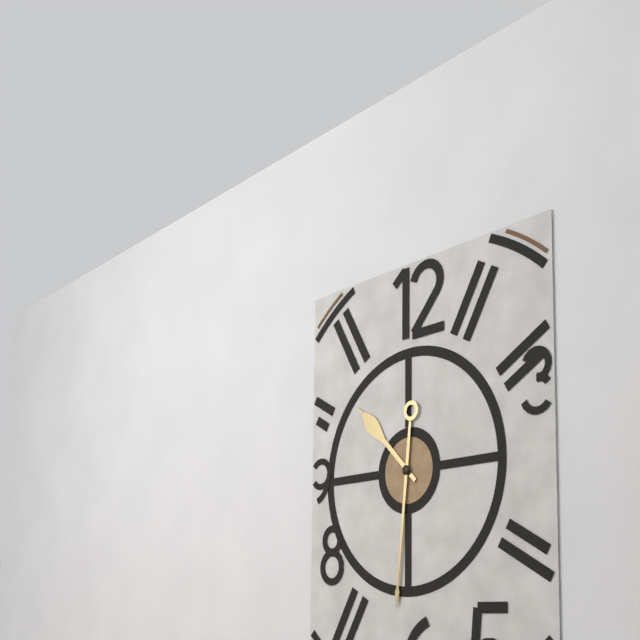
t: h=10 m=31
